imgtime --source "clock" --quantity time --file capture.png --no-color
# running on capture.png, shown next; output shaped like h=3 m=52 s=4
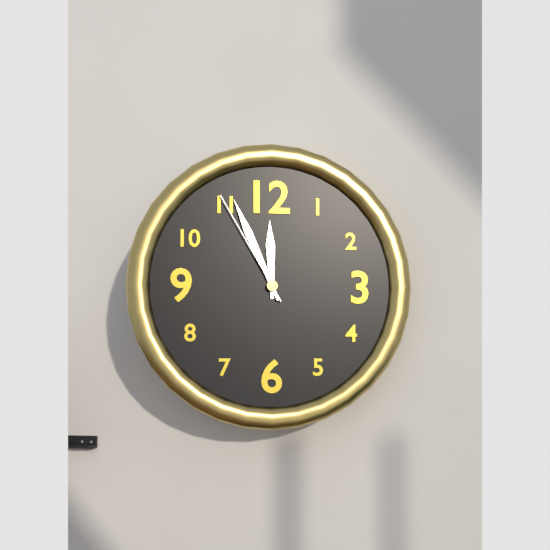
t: h=11 m=56 s=55
